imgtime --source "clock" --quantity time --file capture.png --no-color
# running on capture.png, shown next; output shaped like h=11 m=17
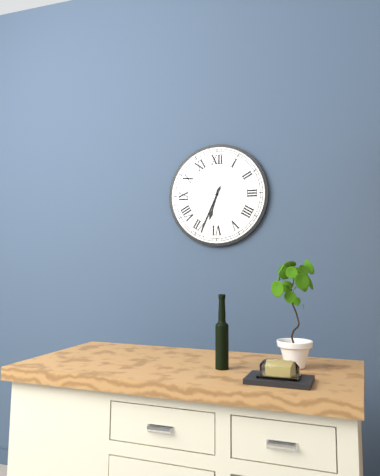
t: h=6 m=34
